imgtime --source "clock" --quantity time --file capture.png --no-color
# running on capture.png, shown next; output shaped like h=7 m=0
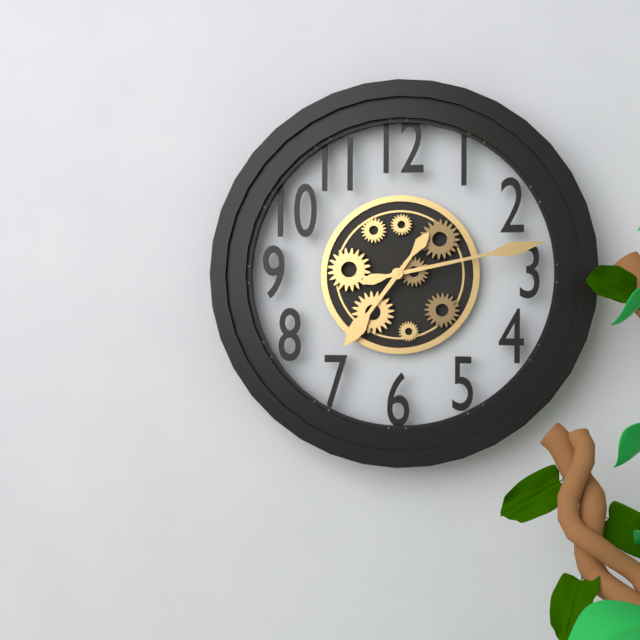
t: h=7 m=13
